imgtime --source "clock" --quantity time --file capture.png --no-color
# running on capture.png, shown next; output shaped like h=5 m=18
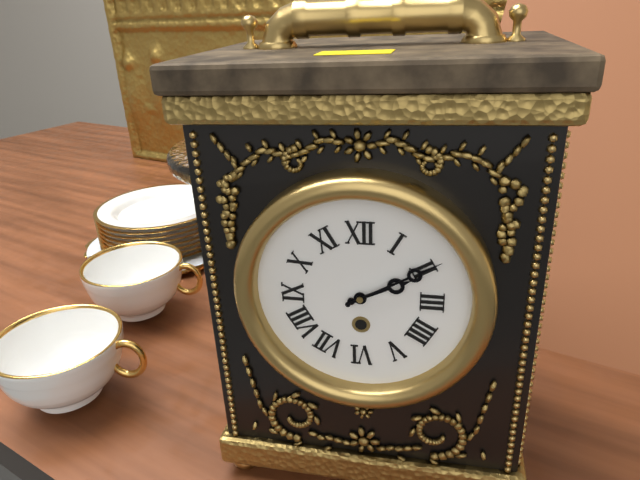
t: h=2 m=10
